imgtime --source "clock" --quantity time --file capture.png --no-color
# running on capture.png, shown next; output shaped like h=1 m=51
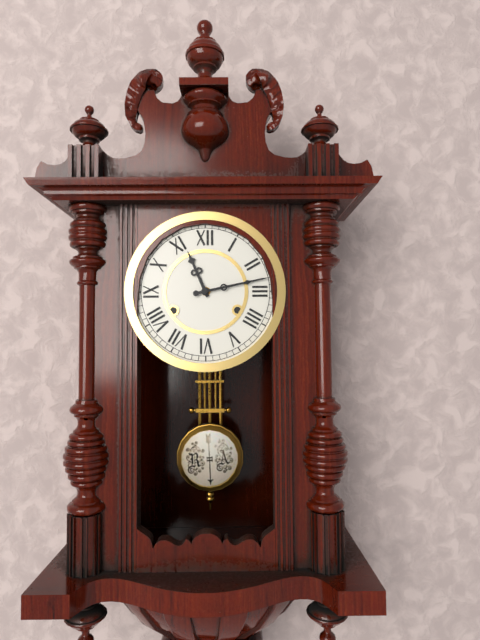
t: h=11 m=13
